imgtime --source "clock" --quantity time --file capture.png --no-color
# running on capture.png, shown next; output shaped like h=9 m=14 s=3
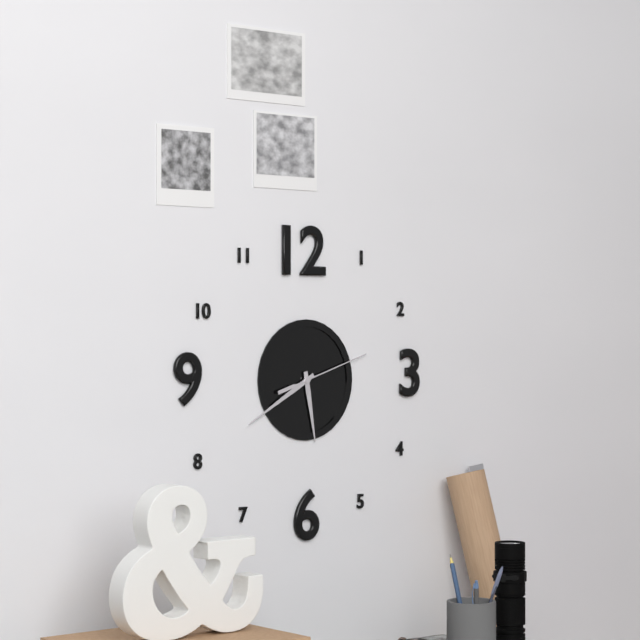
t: h=5 m=40 s=12
